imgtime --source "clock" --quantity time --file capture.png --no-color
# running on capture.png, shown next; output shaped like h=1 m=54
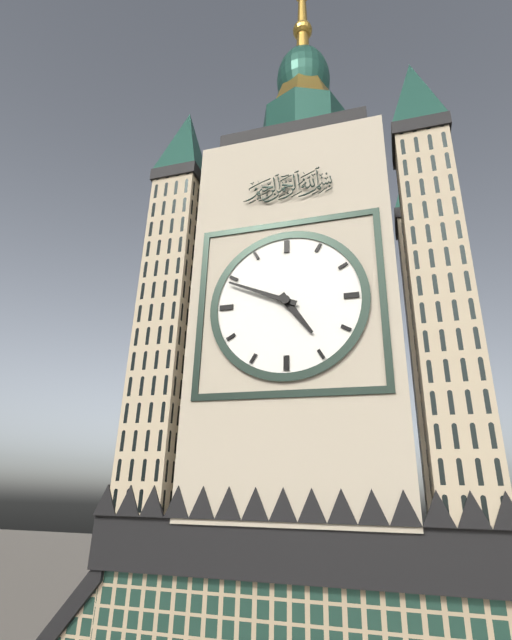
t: h=4 m=49
